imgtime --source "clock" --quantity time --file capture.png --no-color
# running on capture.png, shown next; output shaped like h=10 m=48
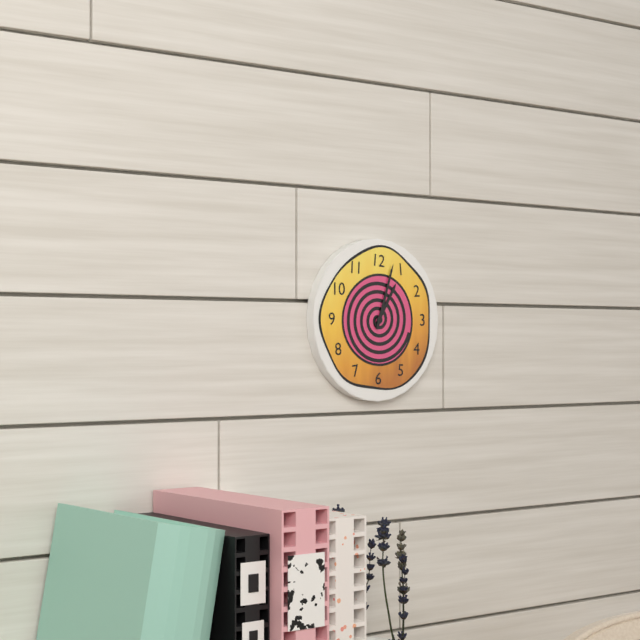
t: h=1 m=3
